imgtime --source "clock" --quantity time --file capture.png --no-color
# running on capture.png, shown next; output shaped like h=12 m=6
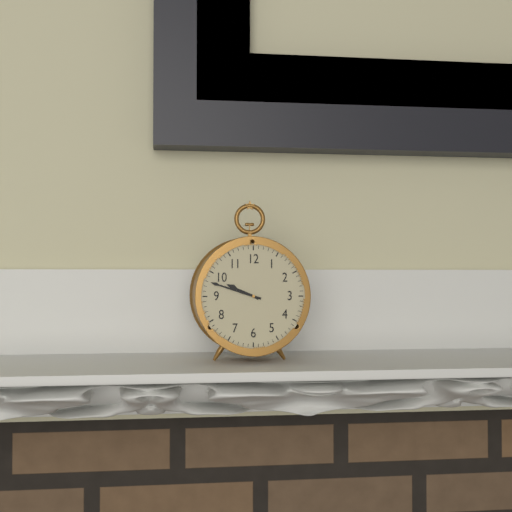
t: h=9 m=48
